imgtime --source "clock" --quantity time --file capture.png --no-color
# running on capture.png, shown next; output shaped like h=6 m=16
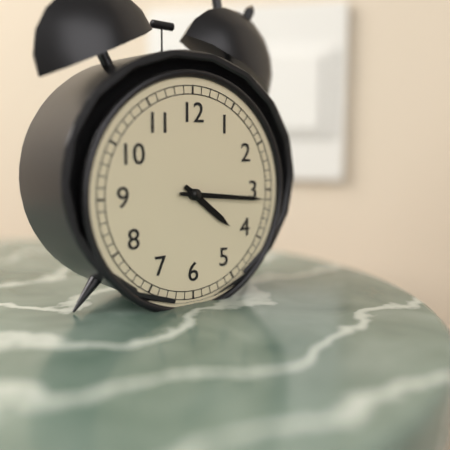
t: h=4 m=16
